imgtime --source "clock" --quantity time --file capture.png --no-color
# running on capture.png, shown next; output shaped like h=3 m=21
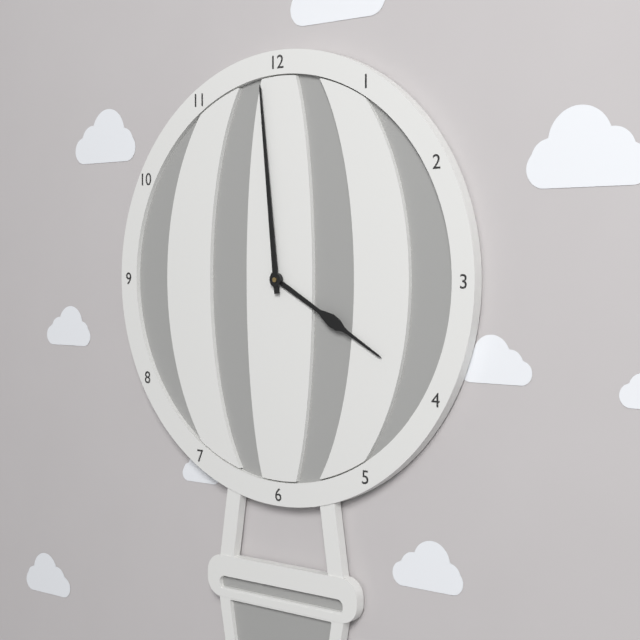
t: h=3 m=59
